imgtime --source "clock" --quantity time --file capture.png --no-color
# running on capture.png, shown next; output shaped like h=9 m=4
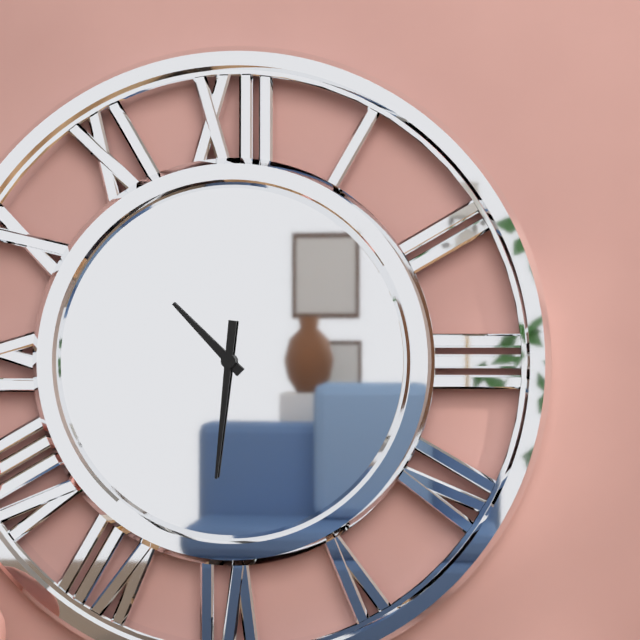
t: h=10 m=31
